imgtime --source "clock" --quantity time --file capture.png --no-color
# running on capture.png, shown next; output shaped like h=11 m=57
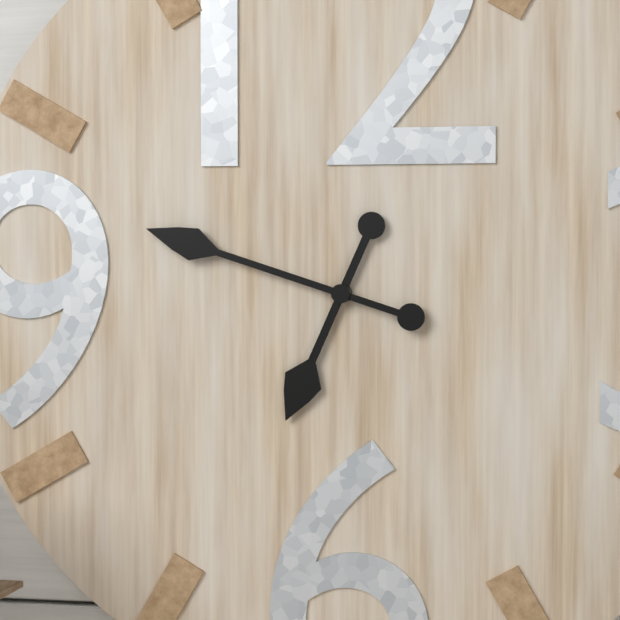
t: h=6 m=48
